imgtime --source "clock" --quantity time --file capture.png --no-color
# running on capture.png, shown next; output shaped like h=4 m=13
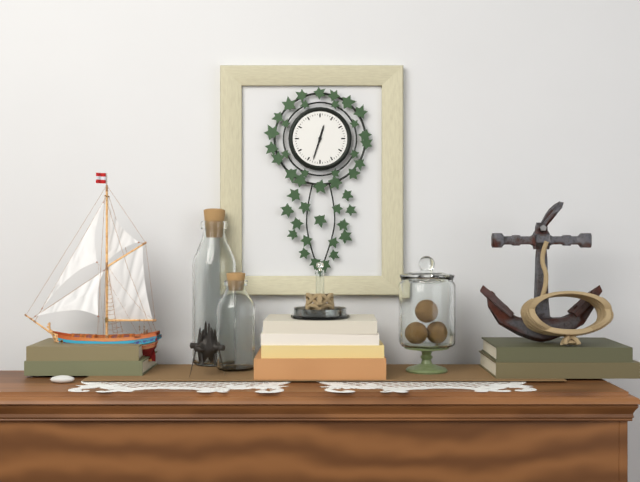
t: h=12 m=33
